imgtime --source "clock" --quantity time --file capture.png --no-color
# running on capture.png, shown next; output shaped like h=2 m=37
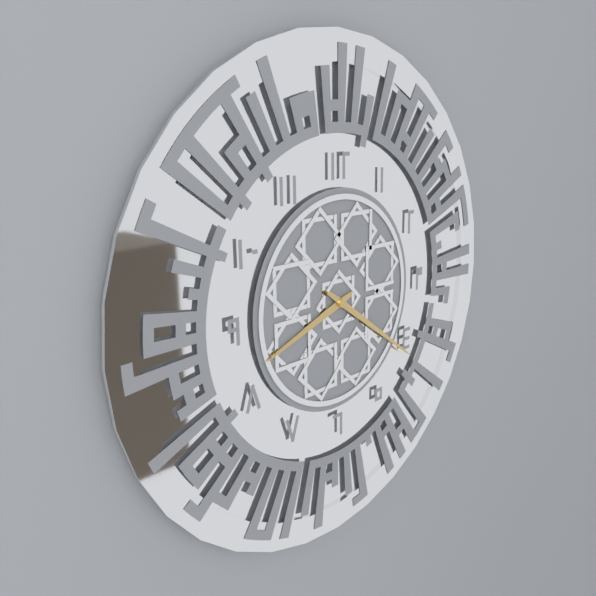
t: h=8 m=21
